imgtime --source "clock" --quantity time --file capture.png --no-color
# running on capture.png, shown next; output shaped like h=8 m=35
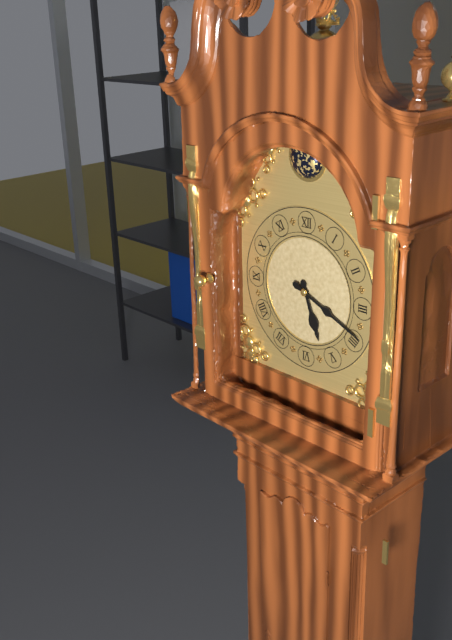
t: h=5 m=19
